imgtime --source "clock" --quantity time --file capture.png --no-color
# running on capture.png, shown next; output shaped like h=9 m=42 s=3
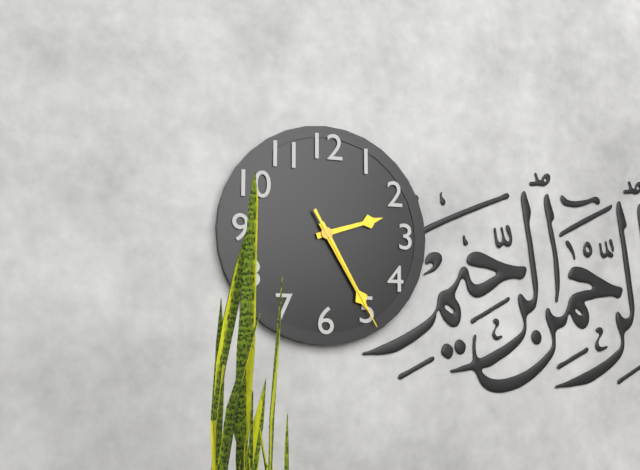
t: h=2 m=25 s=25
